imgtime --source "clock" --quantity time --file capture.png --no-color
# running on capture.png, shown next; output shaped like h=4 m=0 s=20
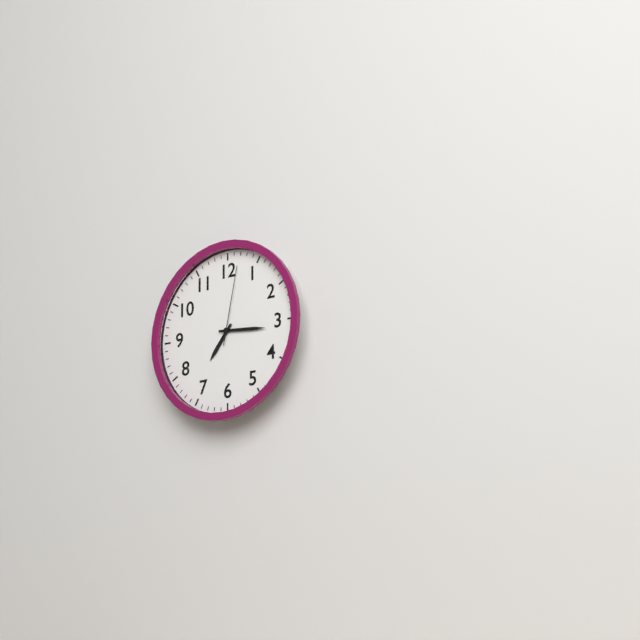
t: h=7 m=16 s=2
